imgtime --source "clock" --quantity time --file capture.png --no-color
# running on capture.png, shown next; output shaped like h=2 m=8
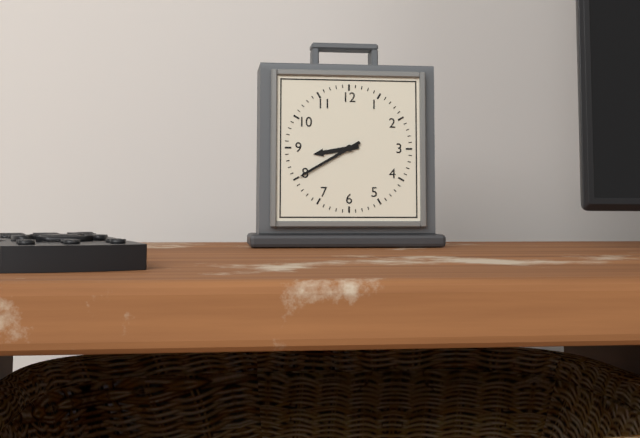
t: h=8 m=40
